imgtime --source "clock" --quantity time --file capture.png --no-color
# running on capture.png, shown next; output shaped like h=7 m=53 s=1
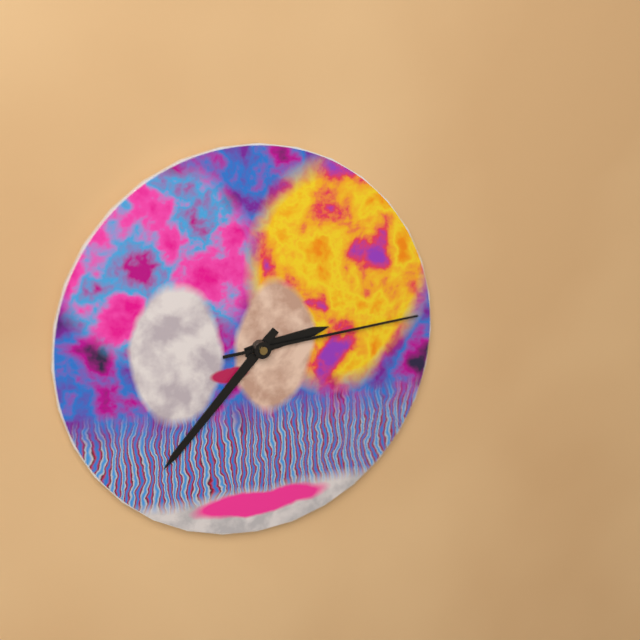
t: h=2 m=37 s=14
